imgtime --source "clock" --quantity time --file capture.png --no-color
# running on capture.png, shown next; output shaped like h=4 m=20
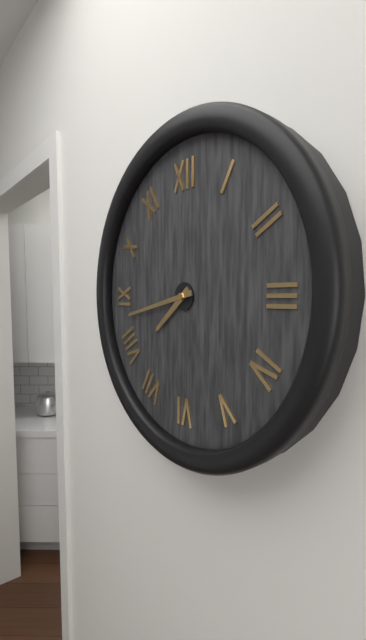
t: h=7 m=43
